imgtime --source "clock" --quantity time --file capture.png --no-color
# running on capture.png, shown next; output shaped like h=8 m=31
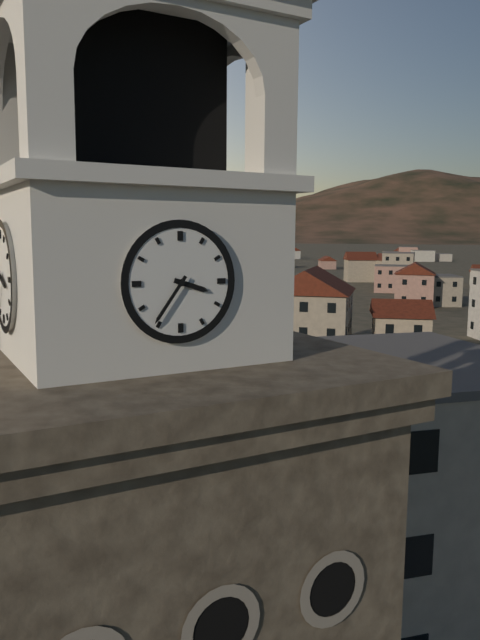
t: h=3 m=36
